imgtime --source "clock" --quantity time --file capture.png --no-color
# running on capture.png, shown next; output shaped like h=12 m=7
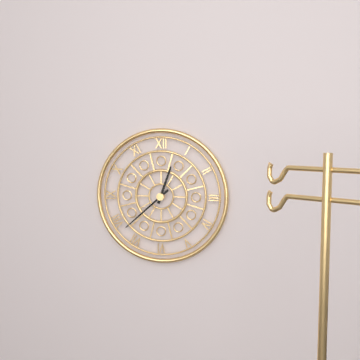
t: h=12 m=38
